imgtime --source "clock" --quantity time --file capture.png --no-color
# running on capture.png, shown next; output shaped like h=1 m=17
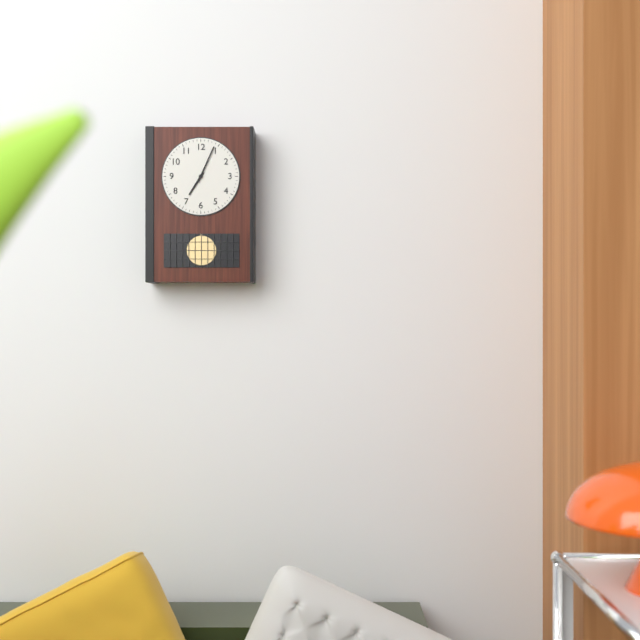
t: h=7 m=4
